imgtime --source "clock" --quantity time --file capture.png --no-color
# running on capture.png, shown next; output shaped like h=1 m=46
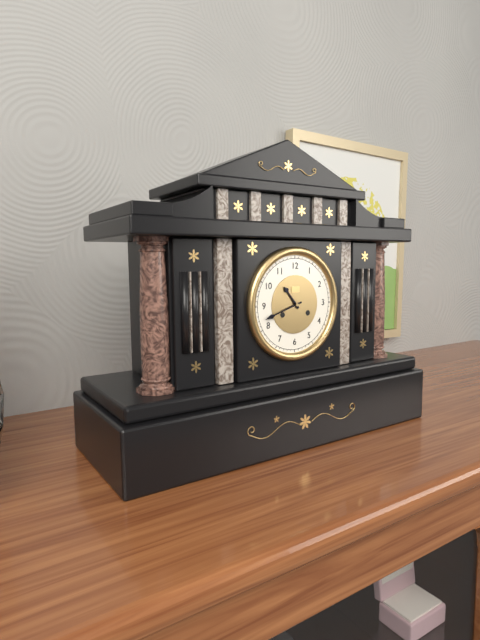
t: h=10 m=42
